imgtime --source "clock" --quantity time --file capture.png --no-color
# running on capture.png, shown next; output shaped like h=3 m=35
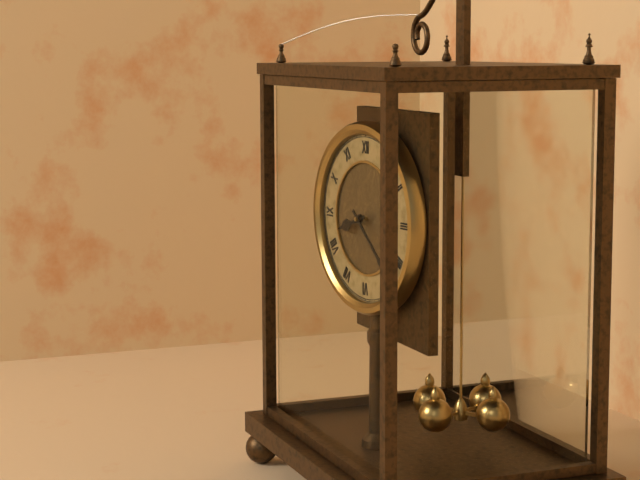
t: h=8 m=22
